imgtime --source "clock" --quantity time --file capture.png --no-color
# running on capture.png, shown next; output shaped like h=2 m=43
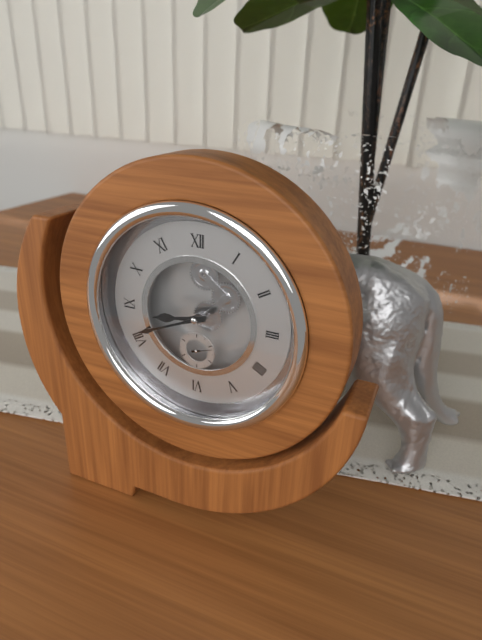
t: h=8 m=41
